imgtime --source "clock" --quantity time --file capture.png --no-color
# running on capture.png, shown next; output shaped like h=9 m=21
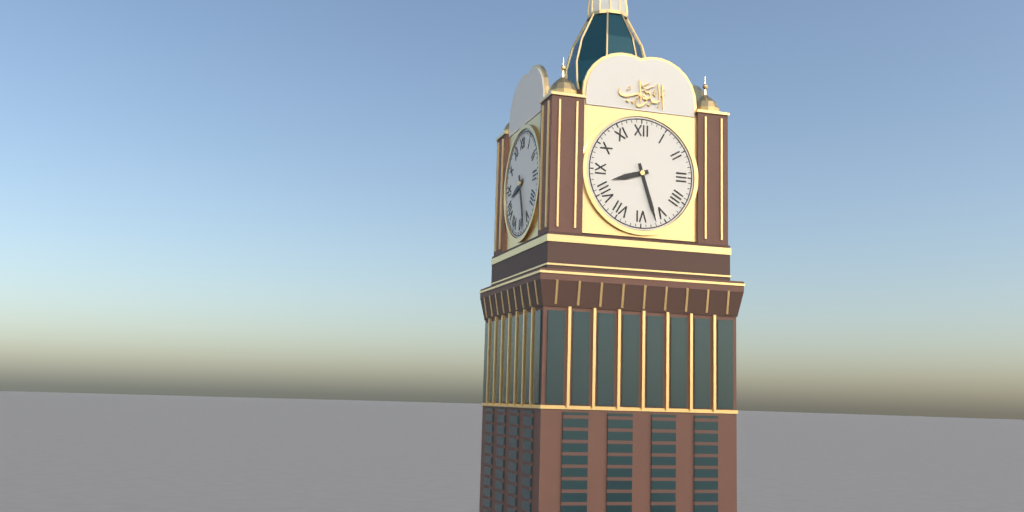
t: h=8 m=27
